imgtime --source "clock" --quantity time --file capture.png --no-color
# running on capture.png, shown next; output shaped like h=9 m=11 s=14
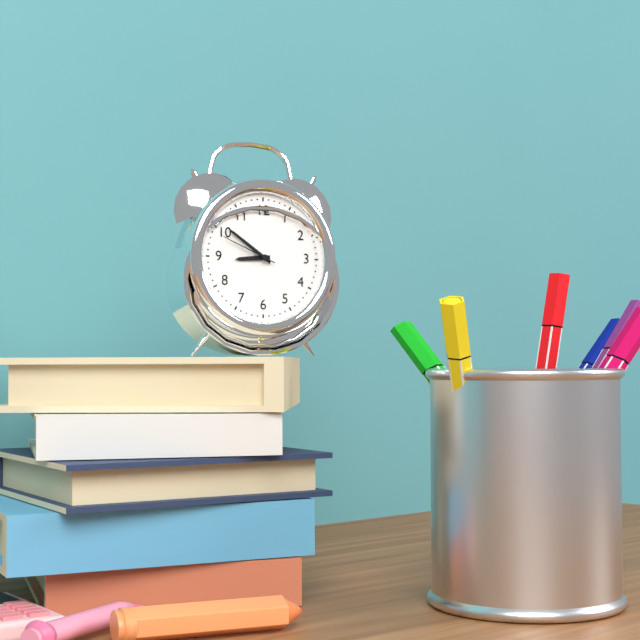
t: h=8 m=51 s=49
